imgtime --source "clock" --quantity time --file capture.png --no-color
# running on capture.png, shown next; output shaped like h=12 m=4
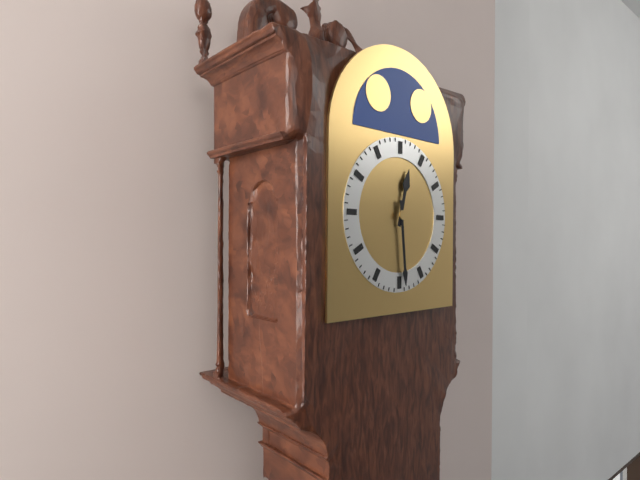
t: h=12 m=29
